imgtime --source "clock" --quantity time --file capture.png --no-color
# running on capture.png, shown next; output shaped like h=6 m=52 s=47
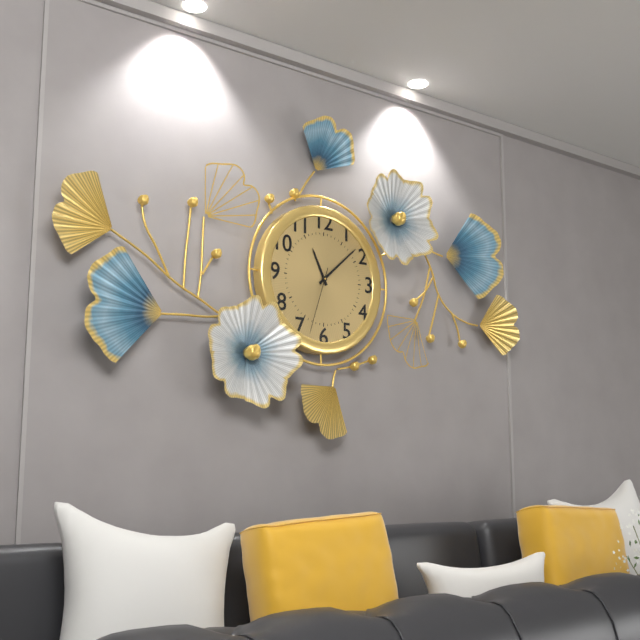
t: h=11 m=8 s=33
